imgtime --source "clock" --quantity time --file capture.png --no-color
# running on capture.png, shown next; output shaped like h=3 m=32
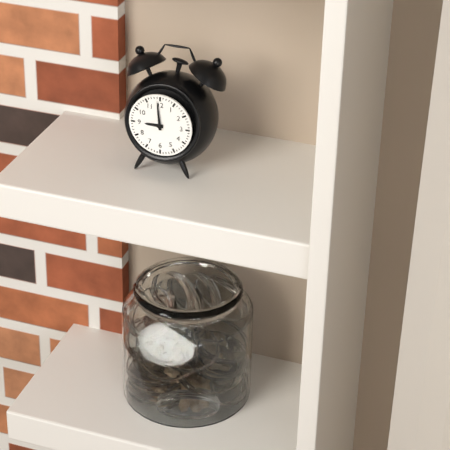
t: h=8 m=59
